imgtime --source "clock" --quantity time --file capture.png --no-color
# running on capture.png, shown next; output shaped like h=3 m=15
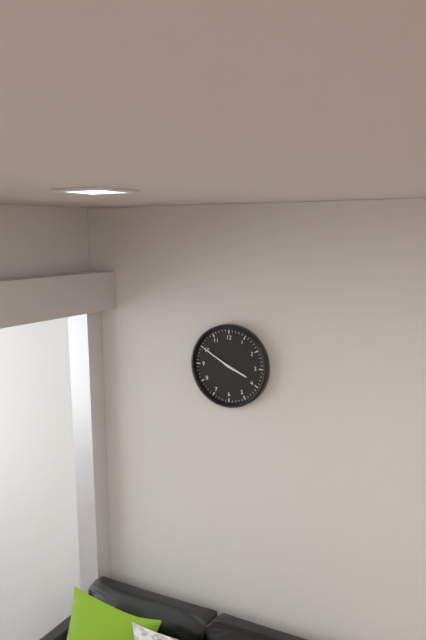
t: h=3 m=50
